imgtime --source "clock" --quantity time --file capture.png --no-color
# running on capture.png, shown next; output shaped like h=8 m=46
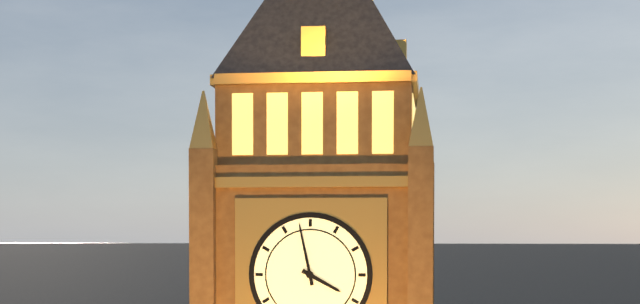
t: h=3 m=58
